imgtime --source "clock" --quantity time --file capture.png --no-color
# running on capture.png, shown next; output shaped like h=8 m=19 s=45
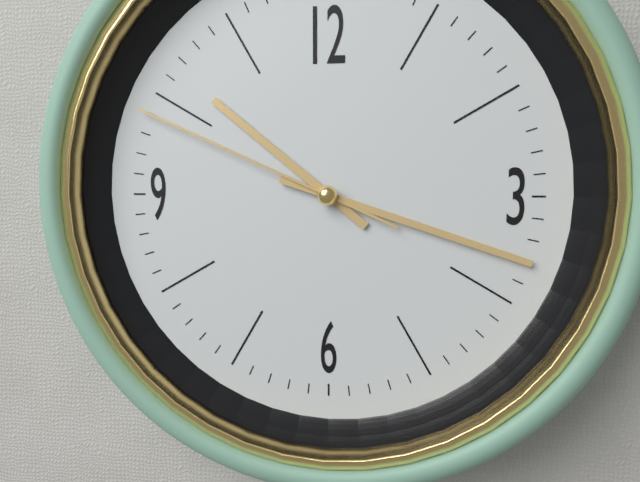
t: h=10 m=18 s=49
